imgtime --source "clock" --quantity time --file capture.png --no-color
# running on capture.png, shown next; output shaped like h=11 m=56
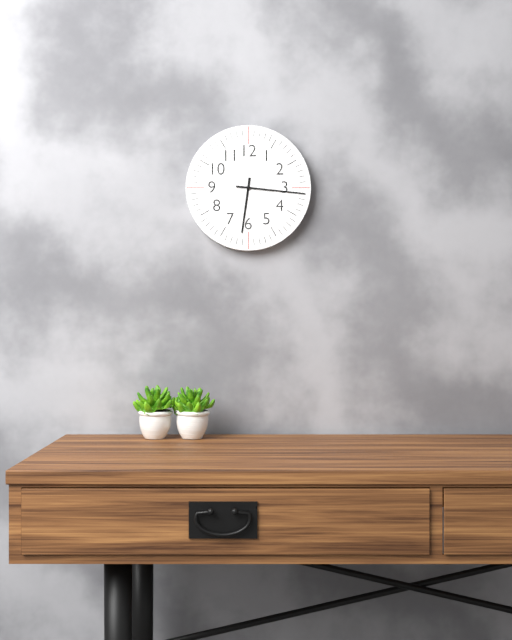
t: h=6 m=16
